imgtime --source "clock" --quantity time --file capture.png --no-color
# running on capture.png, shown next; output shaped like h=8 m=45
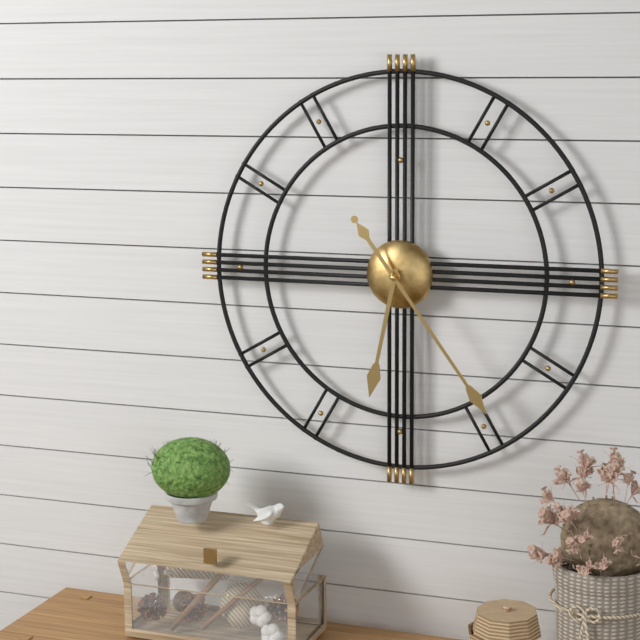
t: h=6 m=24
